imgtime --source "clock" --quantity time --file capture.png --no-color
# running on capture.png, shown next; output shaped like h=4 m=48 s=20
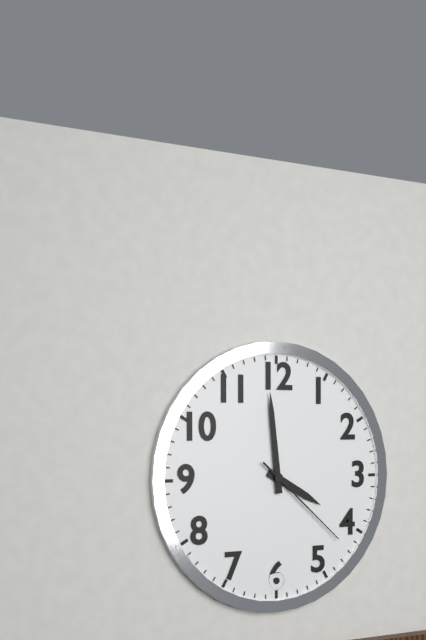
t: h=3 m=59 s=22
